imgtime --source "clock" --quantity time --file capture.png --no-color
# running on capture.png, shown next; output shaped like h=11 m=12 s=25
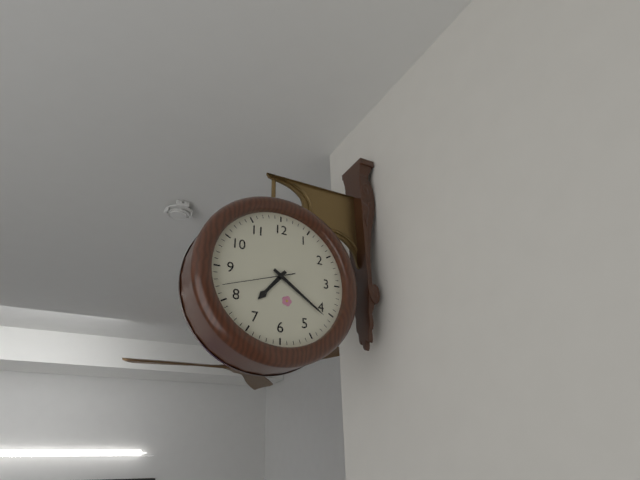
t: h=7 m=21 s=42
